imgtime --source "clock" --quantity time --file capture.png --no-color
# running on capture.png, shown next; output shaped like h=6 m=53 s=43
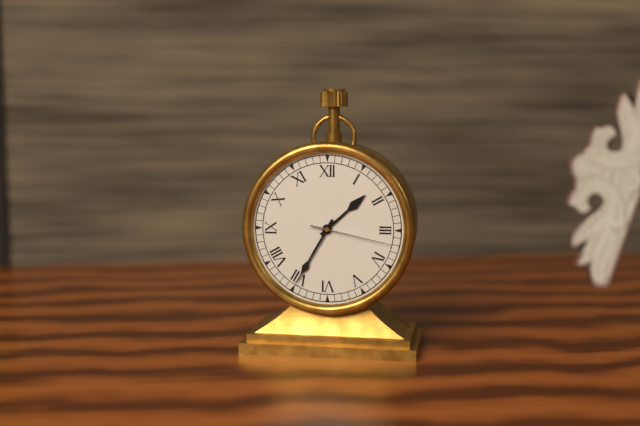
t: h=1 m=35 s=17
